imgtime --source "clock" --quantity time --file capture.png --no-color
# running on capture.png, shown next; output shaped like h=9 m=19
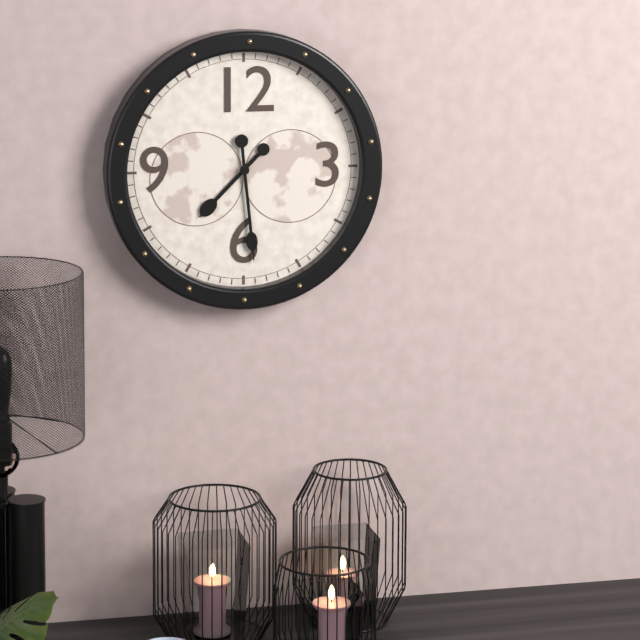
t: h=7 m=29
